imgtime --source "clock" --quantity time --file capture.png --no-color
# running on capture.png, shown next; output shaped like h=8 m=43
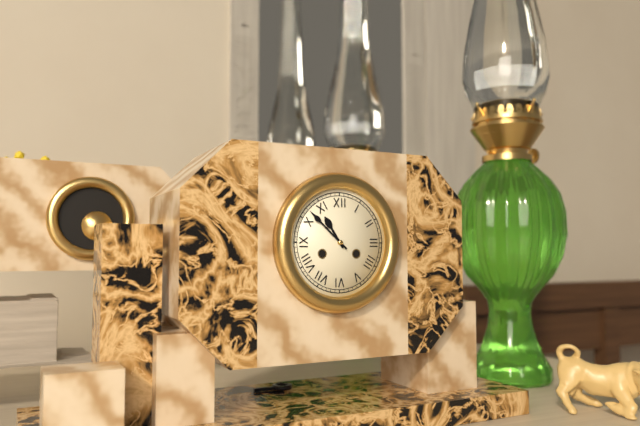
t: h=10 m=52
